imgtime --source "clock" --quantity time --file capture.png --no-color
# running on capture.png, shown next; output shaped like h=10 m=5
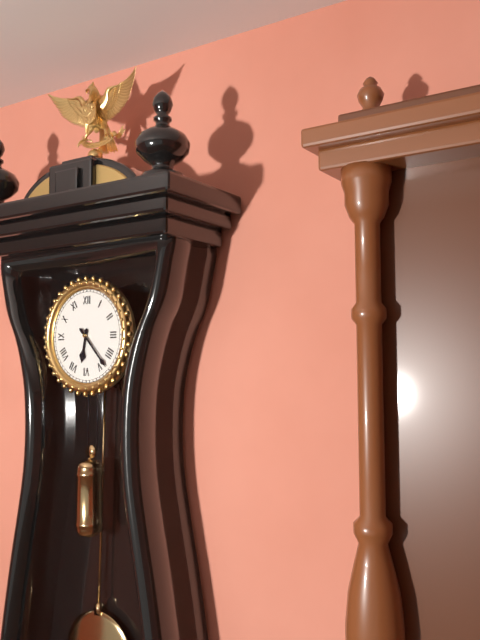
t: h=6 m=23
